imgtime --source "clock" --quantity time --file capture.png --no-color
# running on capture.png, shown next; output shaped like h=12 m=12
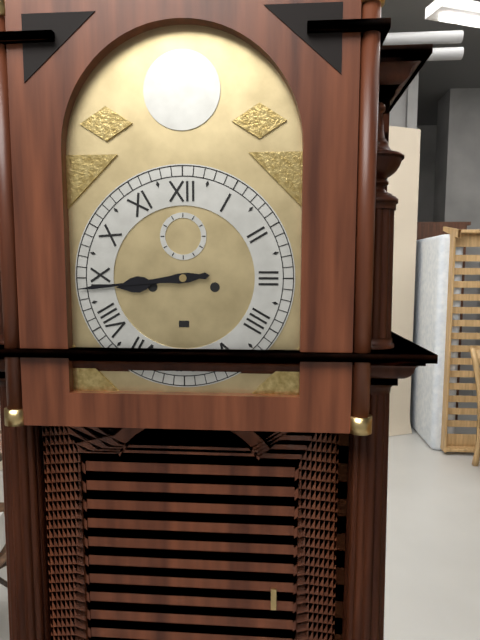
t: h=8 m=44
